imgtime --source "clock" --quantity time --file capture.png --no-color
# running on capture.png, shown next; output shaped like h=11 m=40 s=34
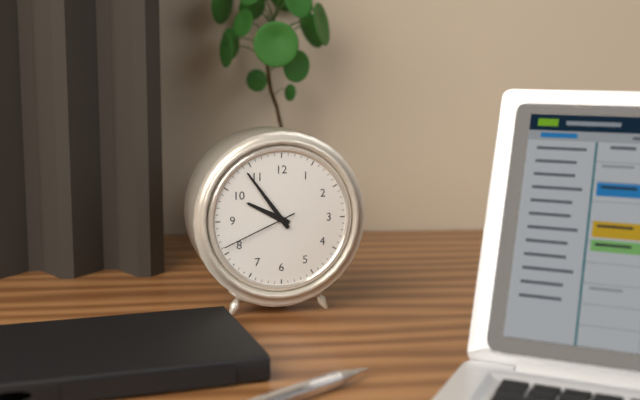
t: h=9 m=54 s=41
